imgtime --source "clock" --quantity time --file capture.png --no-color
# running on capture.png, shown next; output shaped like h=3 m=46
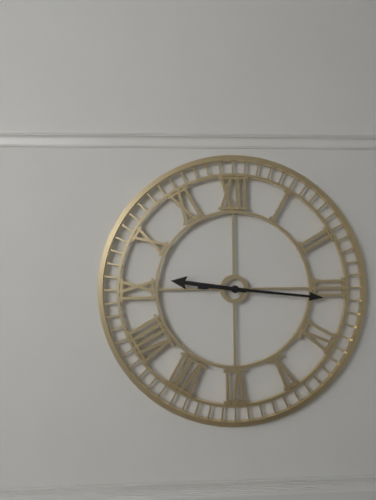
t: h=9 m=16
